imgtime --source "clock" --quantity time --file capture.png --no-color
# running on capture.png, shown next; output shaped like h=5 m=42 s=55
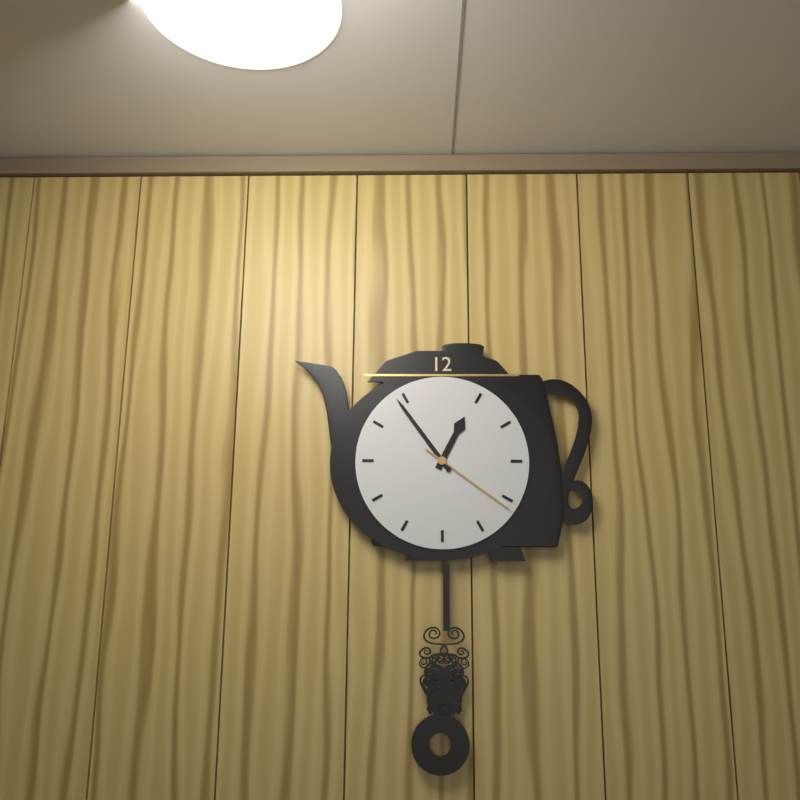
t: h=12 m=54 s=21
